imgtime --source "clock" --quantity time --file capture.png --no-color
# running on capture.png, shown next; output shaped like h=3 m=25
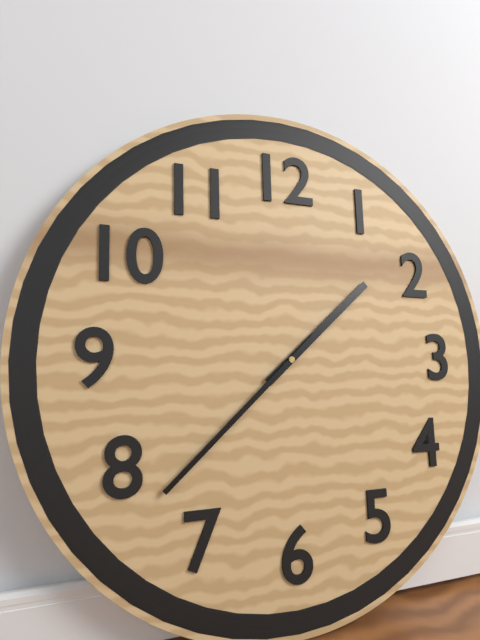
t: h=1 m=38
